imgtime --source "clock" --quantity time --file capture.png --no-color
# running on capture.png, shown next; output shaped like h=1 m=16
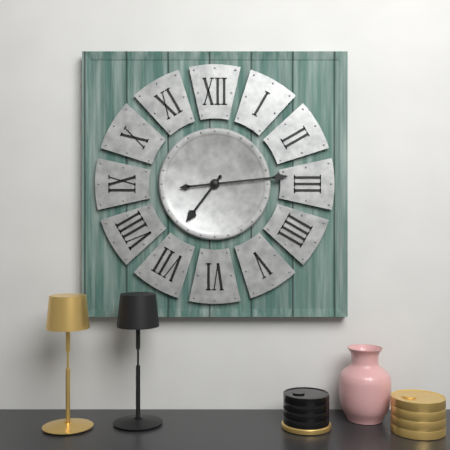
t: h=7 m=14
